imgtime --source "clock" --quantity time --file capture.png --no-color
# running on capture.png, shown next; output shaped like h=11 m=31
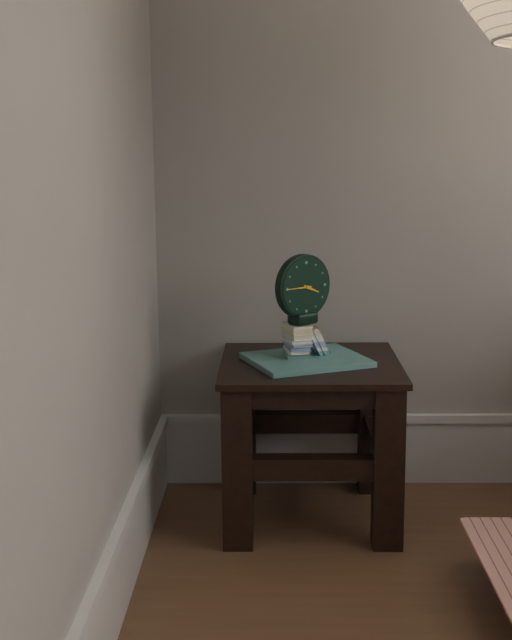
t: h=3 m=45
